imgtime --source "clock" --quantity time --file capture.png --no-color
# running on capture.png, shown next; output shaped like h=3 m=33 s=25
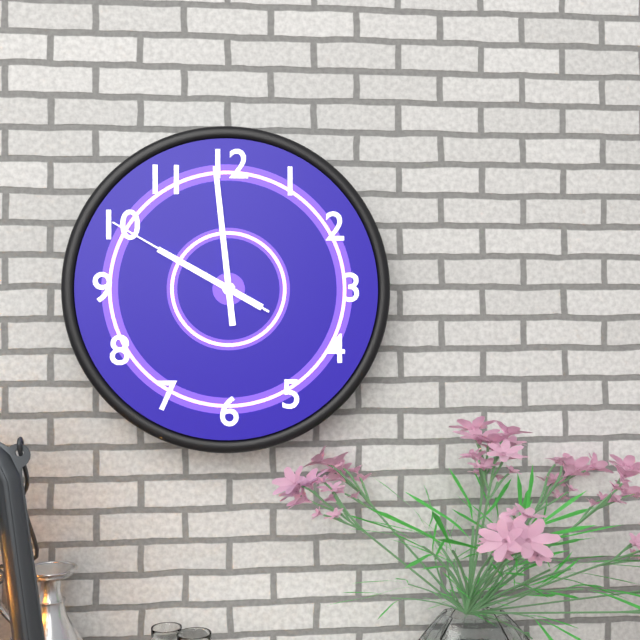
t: h=9 m=59 s=50
